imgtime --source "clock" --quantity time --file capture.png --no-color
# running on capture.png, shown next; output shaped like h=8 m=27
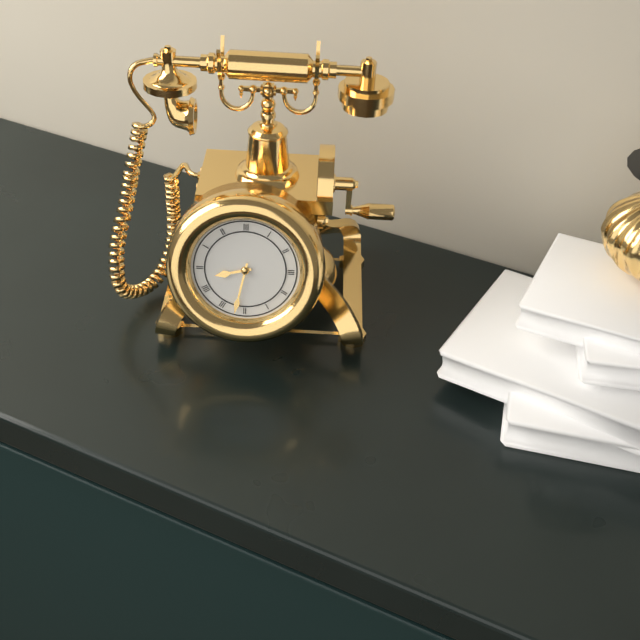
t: h=8 m=32
